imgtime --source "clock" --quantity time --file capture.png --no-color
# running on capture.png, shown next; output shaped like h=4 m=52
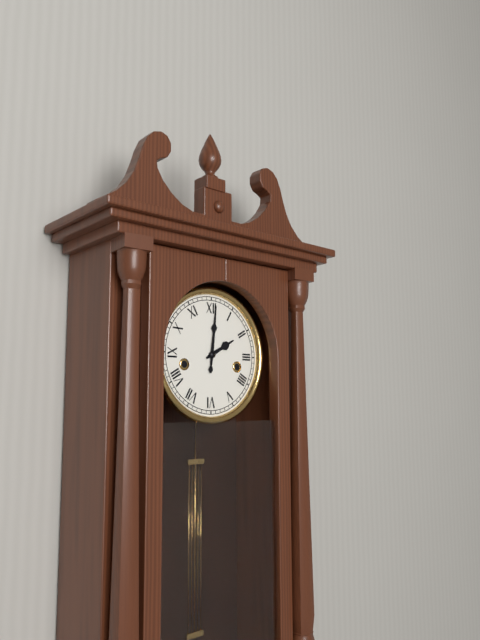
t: h=2 m=1
